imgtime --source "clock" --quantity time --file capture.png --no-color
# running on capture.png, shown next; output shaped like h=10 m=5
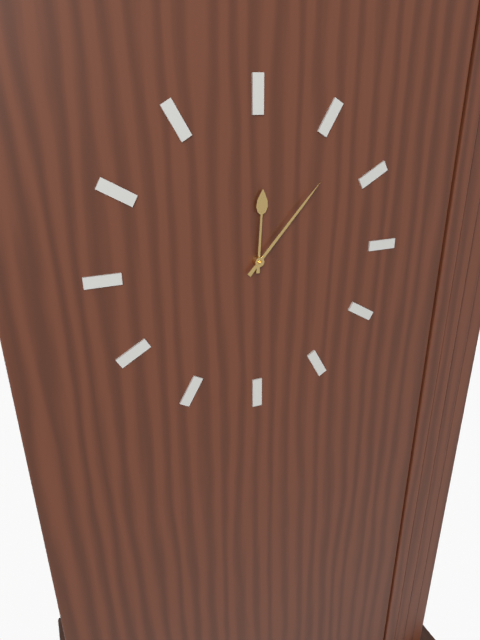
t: h=12 m=7
